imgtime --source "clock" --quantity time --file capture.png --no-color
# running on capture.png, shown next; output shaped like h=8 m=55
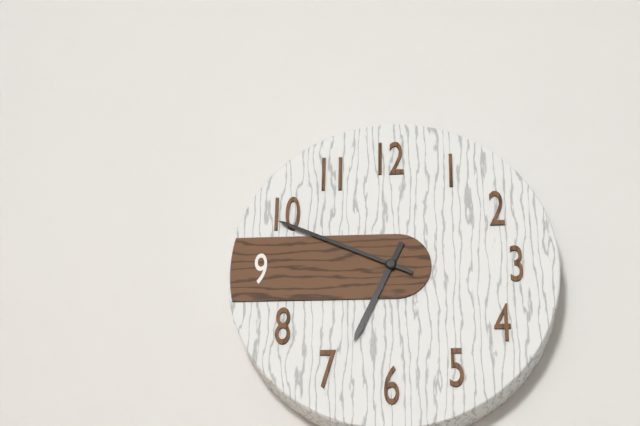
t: h=6 m=49
